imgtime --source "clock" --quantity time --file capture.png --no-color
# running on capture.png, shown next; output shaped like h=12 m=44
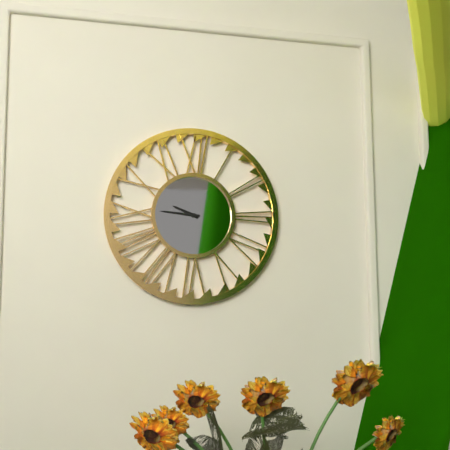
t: h=9 m=46
